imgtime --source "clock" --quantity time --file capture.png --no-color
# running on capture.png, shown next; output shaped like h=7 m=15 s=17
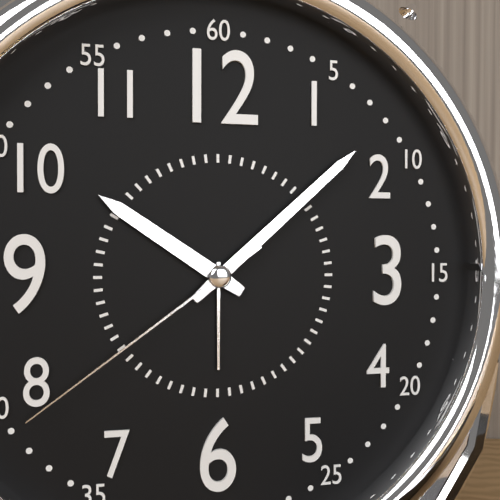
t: h=10 m=8 s=39
